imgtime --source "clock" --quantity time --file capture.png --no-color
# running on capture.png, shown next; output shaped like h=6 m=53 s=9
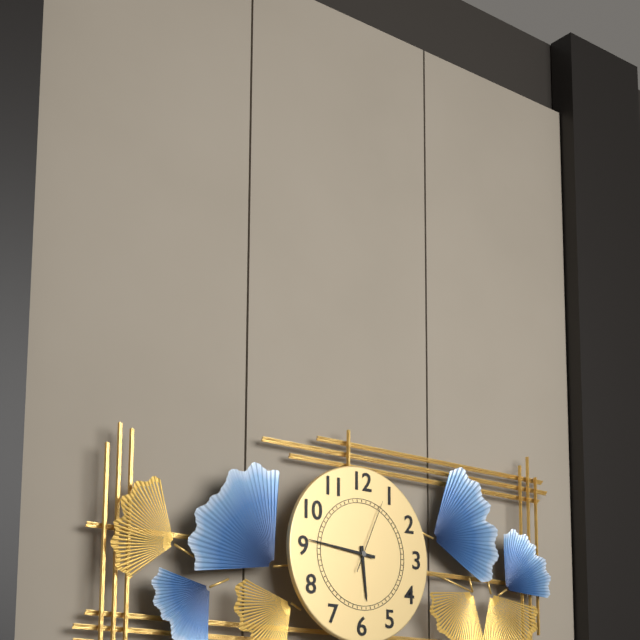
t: h=5 m=46 s=4
